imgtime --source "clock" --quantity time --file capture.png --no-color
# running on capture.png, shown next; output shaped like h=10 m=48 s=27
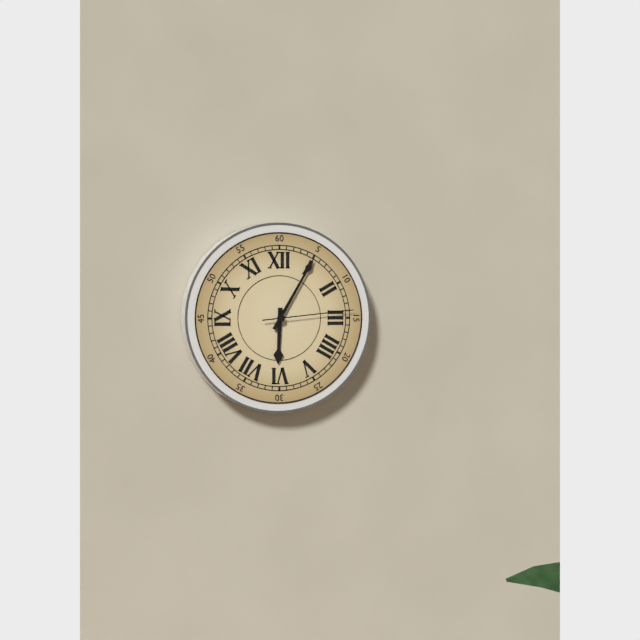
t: h=6 m=5 s=14
